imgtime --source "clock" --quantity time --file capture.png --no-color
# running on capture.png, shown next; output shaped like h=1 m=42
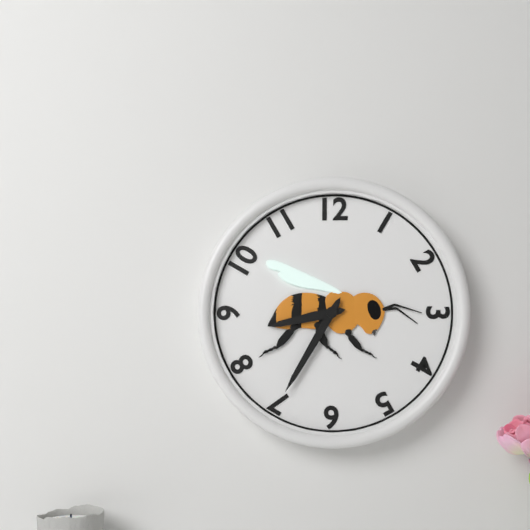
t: h=8 m=35
